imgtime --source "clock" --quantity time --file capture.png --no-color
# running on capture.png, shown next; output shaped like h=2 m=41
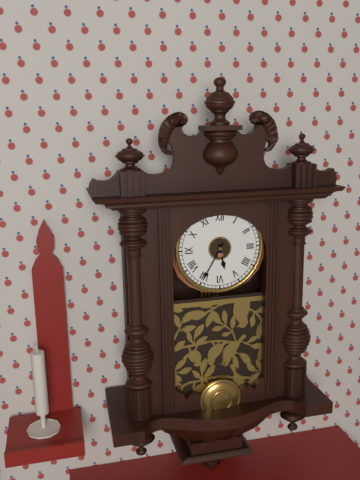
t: h=5 m=35
